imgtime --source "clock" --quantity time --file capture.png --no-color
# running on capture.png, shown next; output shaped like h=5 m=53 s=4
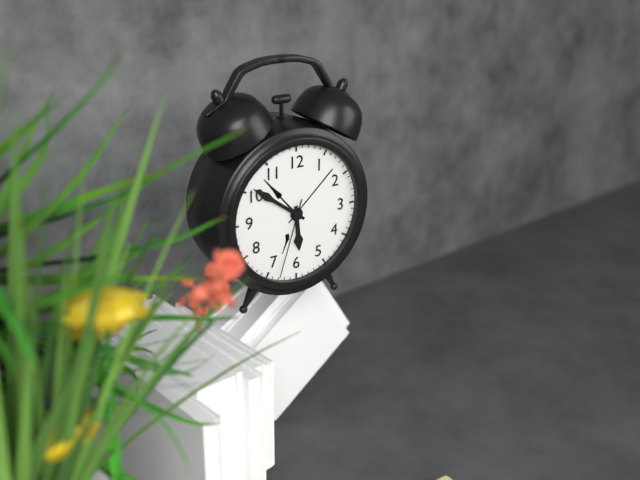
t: h=5 m=51 s=33
